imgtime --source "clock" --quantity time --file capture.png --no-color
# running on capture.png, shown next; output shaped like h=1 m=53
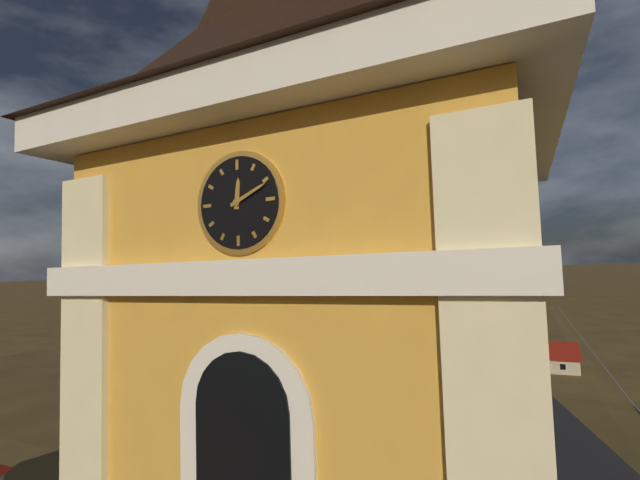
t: h=12 m=11
